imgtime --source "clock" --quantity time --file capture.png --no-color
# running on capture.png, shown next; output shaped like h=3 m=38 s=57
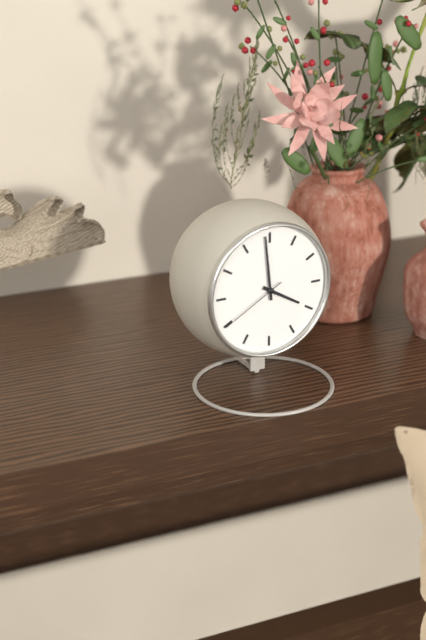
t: h=3 m=59 s=40
